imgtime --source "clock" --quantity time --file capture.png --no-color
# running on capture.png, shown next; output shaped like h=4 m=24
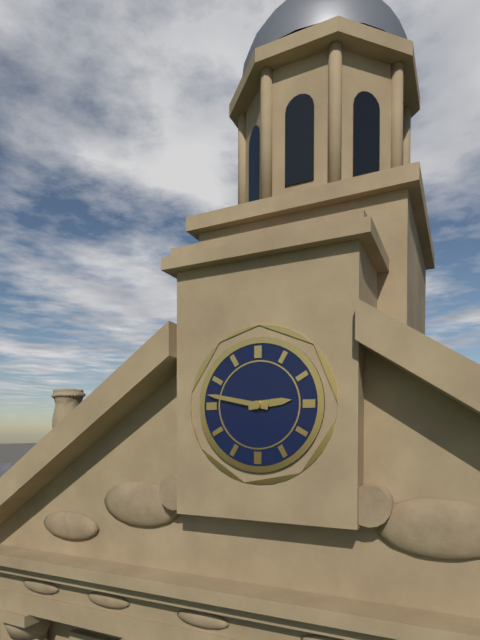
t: h=2 m=47
